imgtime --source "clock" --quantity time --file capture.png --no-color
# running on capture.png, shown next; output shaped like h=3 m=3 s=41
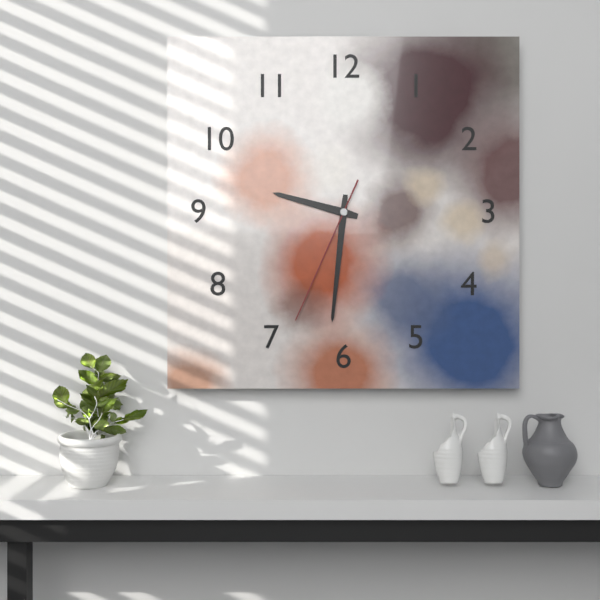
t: h=9 m=31 s=34
